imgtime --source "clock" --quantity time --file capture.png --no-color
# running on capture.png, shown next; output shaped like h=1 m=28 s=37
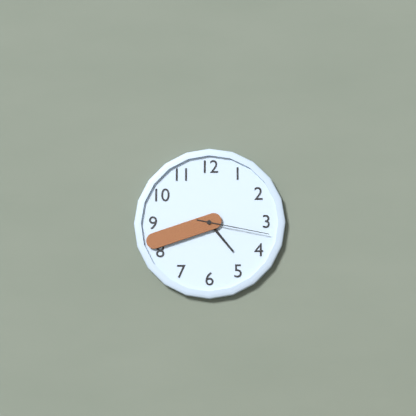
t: h=4 m=42 s=17
